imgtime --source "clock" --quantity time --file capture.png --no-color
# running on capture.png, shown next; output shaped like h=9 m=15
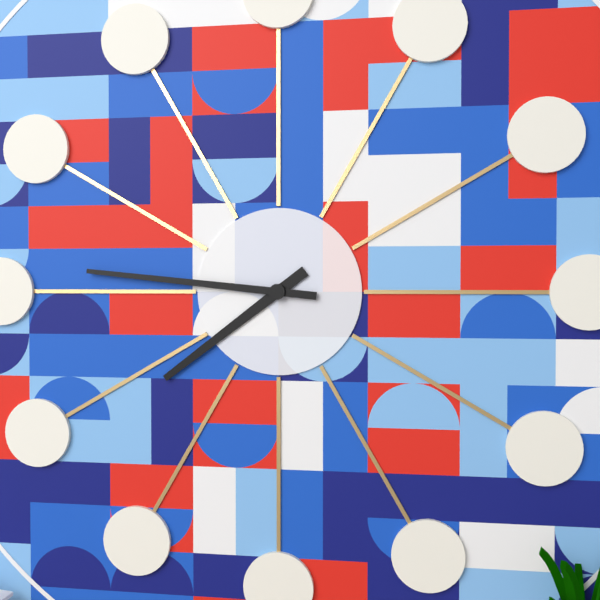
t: h=7 m=46
